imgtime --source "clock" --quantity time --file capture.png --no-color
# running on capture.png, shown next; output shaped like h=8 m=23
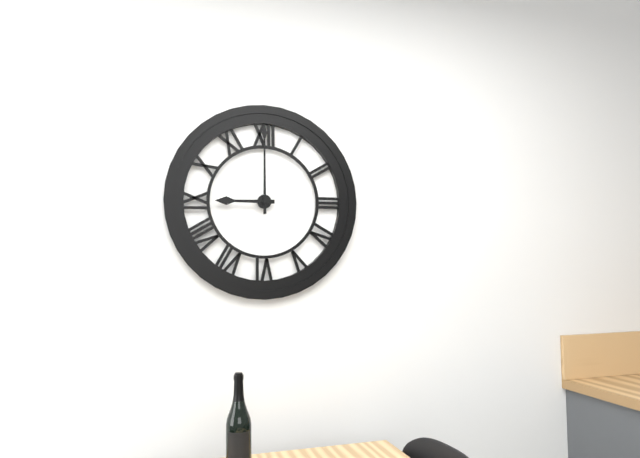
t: h=9 m=0
